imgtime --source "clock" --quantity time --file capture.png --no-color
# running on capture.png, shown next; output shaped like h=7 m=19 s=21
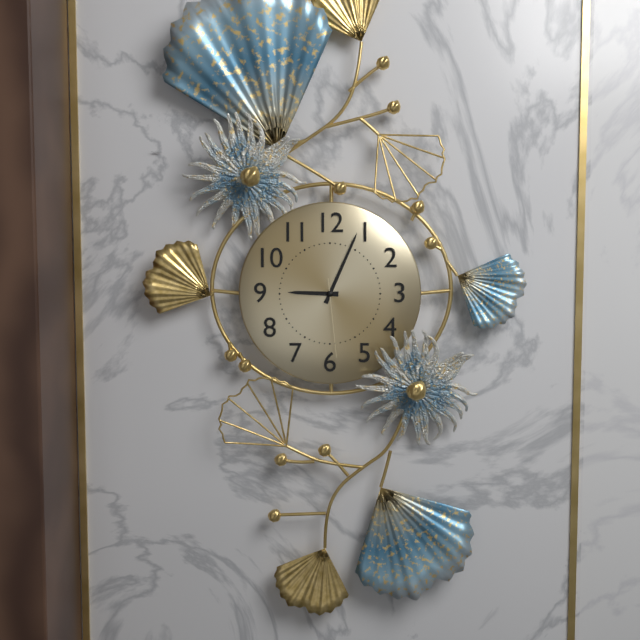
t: h=9 m=4 s=29
